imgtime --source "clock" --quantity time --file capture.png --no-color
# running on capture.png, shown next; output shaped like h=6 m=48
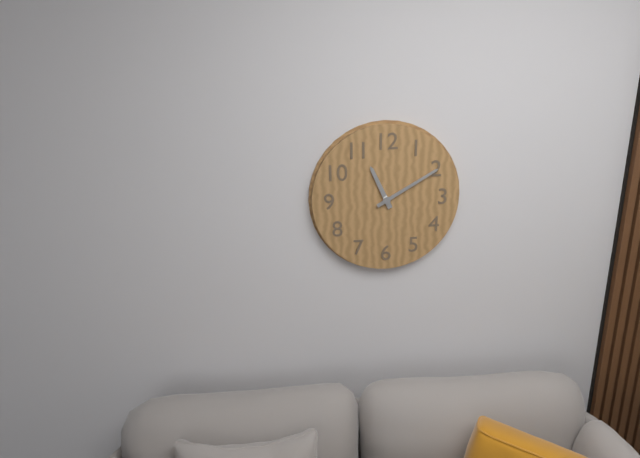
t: h=11 m=10
